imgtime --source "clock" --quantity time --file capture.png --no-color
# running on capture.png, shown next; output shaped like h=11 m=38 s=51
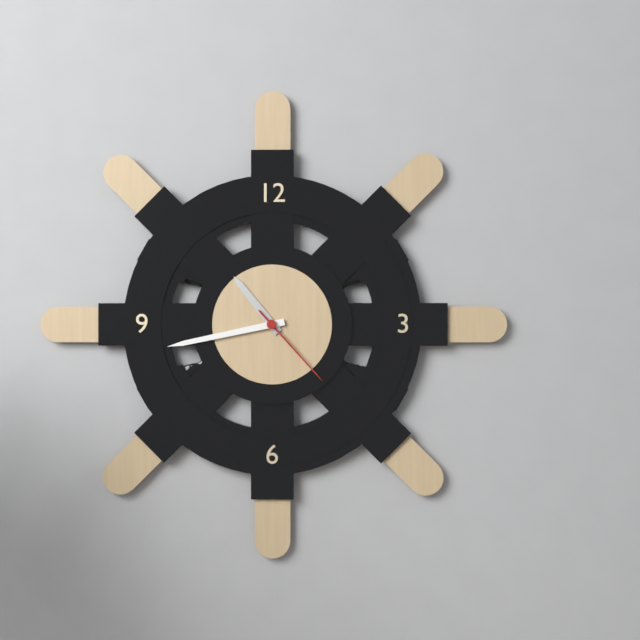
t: h=10 m=43 s=23
